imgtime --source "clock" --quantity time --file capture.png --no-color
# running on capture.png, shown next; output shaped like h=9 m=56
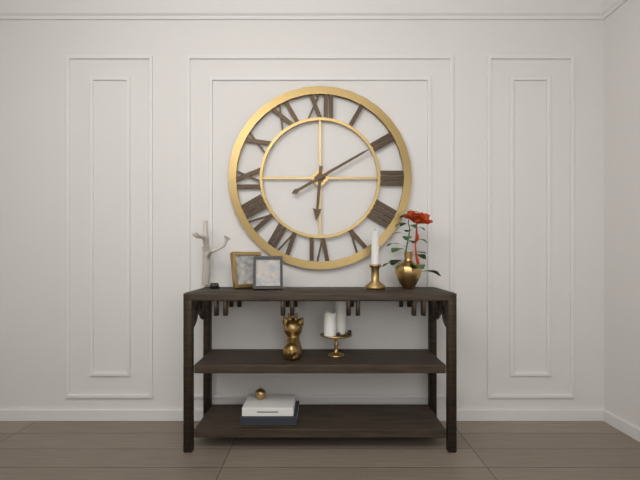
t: h=6 m=10
